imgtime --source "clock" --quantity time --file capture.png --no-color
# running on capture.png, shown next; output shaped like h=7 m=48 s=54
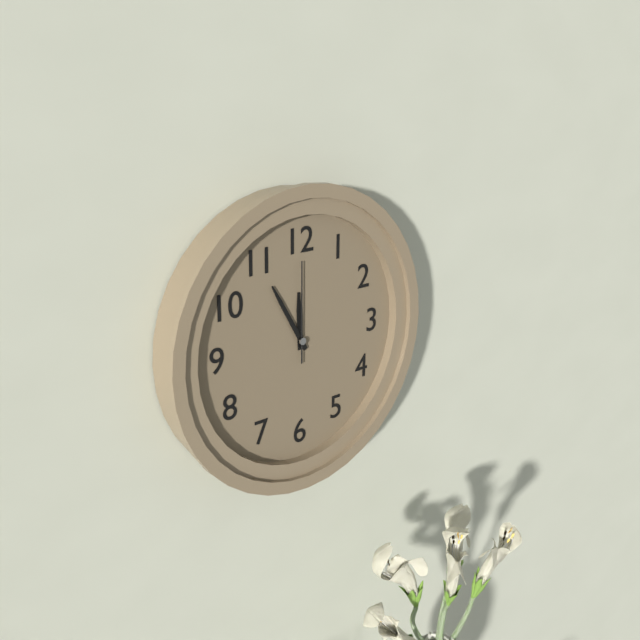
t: h=11 m=55 s=0
